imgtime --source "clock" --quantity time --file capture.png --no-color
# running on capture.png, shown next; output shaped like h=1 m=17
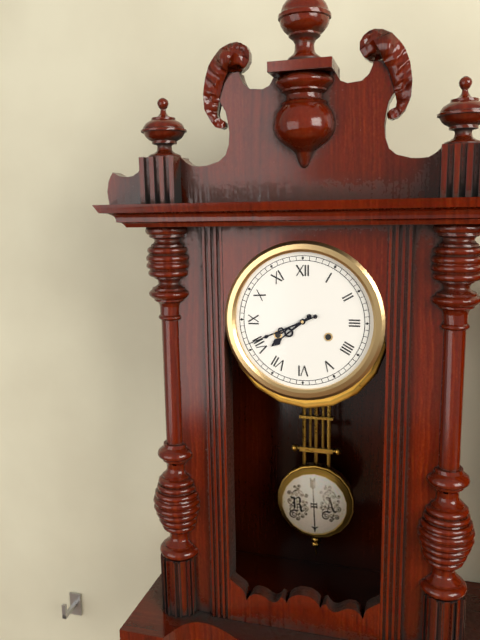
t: h=7 m=41
